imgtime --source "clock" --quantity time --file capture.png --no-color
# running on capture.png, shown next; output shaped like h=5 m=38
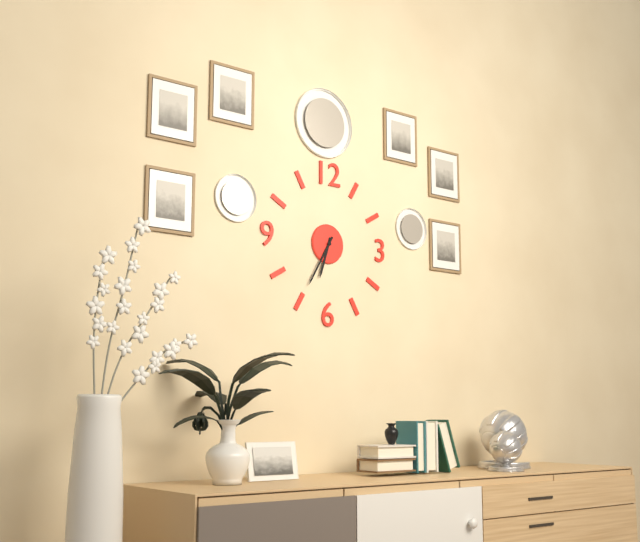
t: h=6 m=35
